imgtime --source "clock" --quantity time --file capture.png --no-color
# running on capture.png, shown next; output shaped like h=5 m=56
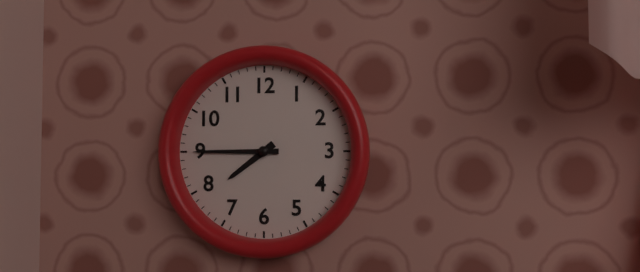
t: h=7 m=45
